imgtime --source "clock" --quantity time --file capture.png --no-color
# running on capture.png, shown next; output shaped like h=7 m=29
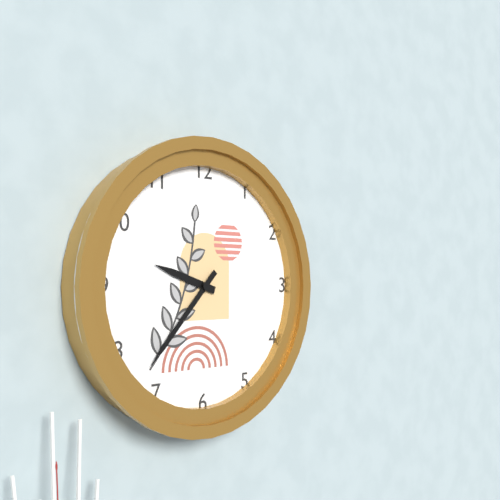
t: h=9 m=37
